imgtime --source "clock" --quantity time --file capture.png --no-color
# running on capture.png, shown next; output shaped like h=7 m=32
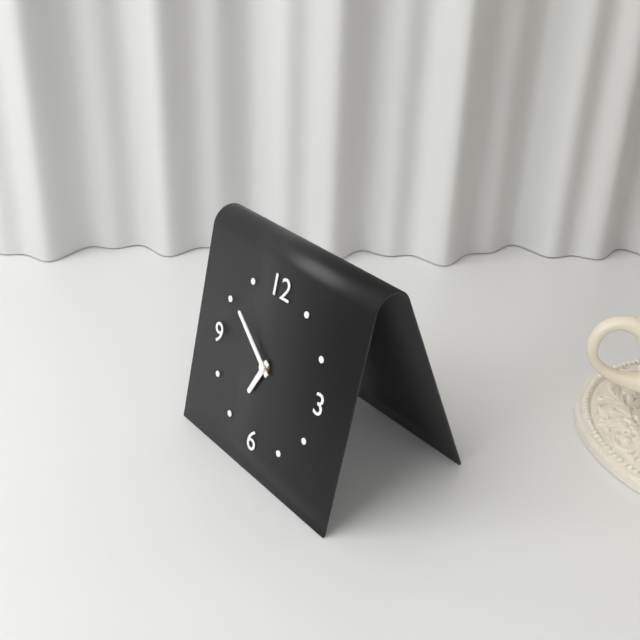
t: h=6 m=51
